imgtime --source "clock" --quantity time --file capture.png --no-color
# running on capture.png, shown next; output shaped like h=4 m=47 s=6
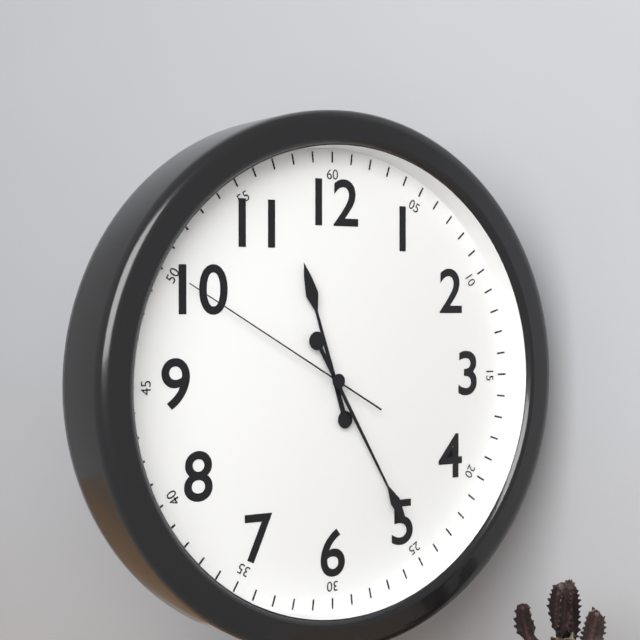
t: h=11 m=25 s=50
